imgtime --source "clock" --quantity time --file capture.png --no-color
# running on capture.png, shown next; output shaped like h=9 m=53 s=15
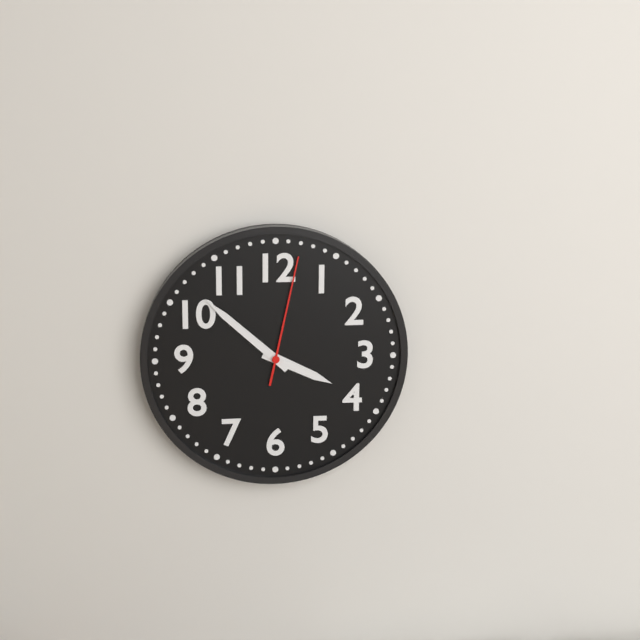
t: h=3 m=52 s=2
